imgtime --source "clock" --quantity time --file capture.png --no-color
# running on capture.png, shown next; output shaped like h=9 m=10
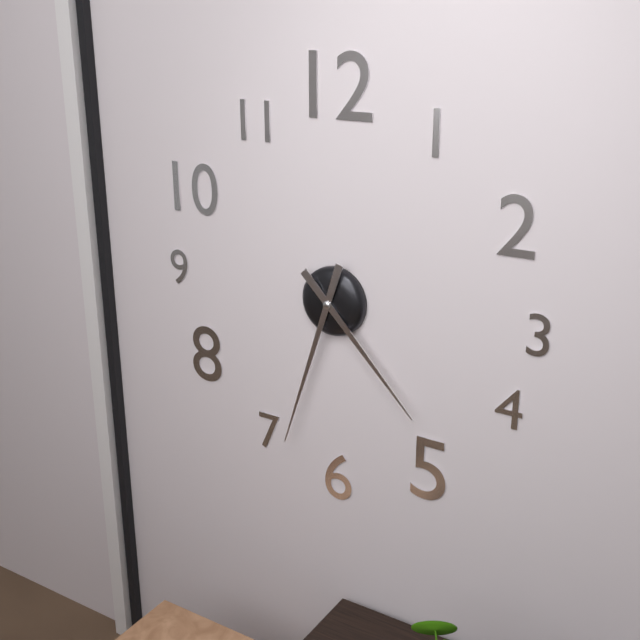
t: h=4 m=33
